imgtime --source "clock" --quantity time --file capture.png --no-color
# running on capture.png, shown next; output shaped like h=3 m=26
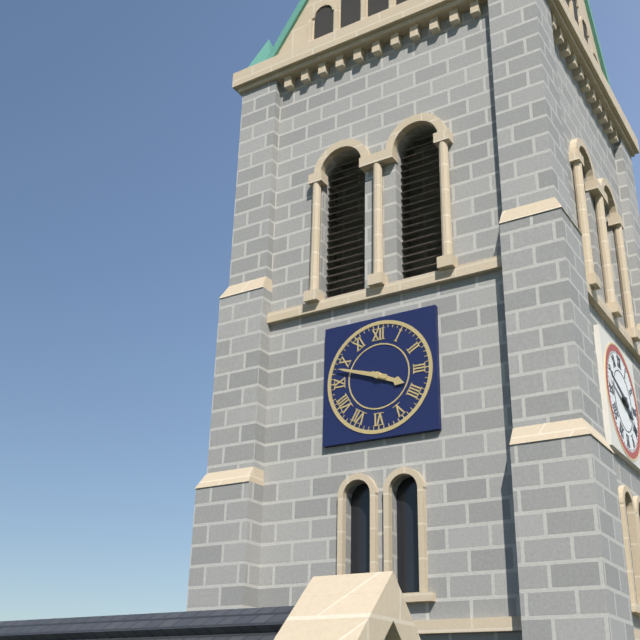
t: h=3 m=48
